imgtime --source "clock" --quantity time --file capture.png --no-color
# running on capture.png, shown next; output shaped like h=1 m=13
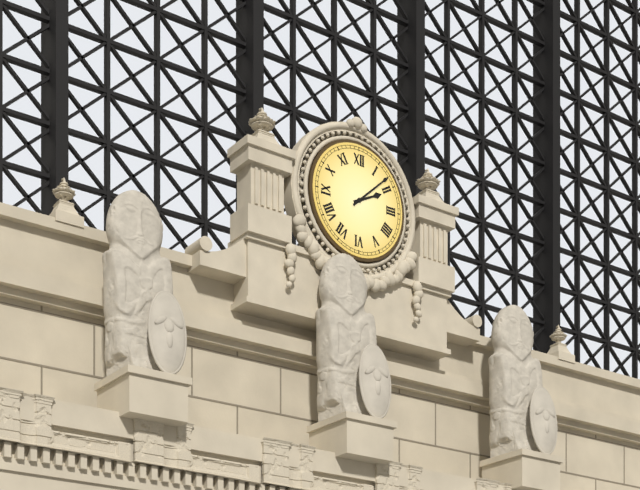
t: h=2 m=8
